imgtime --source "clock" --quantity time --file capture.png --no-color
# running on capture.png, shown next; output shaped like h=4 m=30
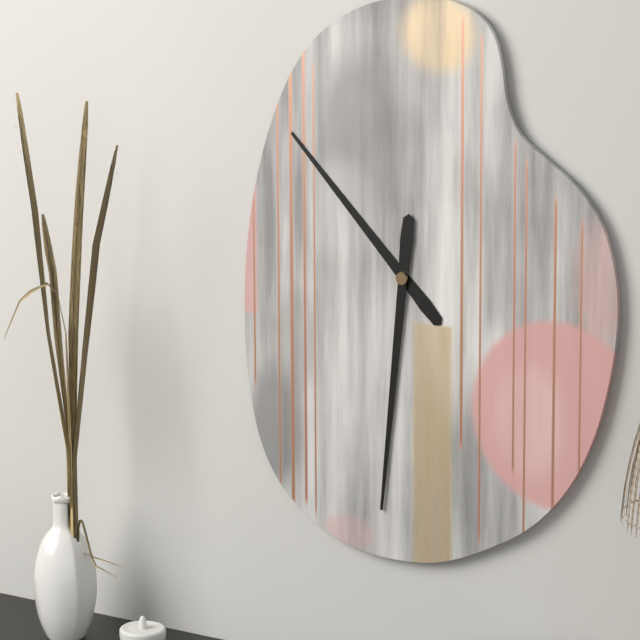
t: h=10 m=31
